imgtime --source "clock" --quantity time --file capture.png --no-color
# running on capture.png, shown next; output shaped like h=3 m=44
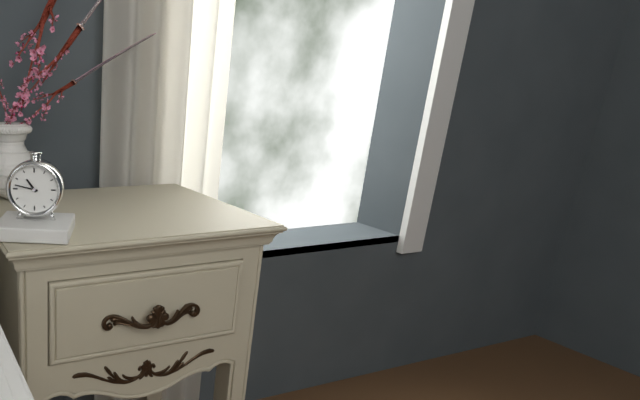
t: h=10 m=47
